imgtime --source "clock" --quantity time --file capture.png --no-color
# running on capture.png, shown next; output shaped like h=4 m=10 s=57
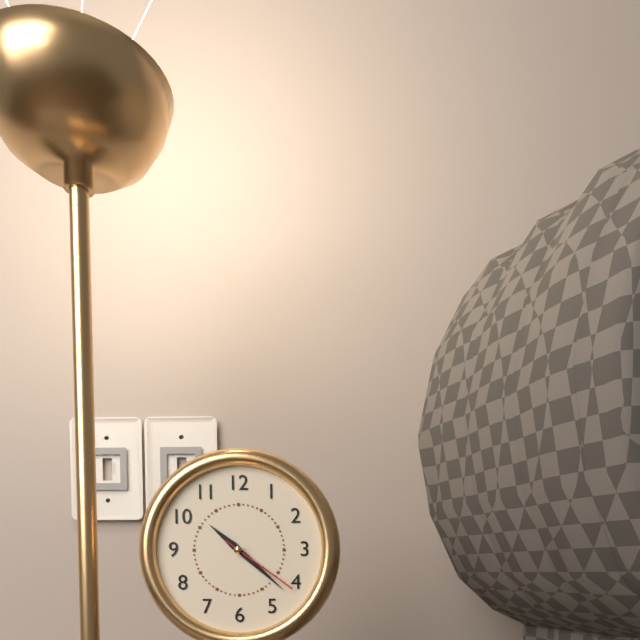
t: h=10 m=22 s=21
